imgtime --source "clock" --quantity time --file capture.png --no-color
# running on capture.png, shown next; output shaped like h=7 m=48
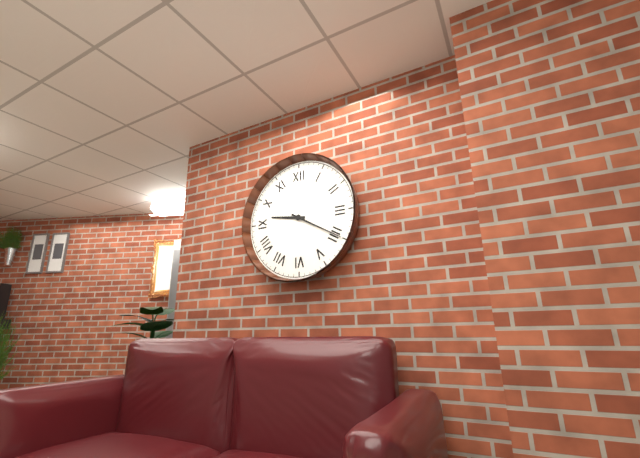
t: h=9 m=20
